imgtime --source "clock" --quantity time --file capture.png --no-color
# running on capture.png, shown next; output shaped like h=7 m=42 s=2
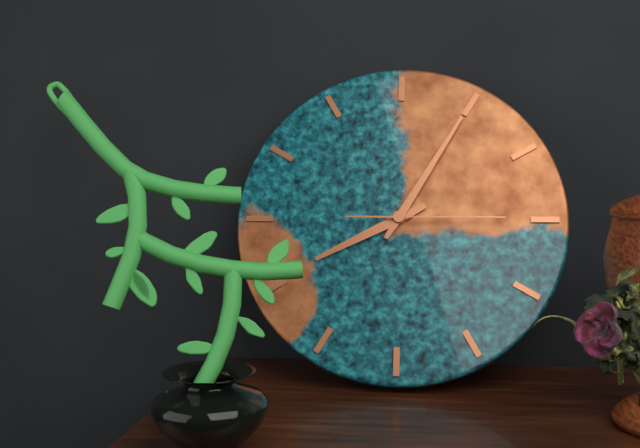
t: h=8 m=5 s=15
